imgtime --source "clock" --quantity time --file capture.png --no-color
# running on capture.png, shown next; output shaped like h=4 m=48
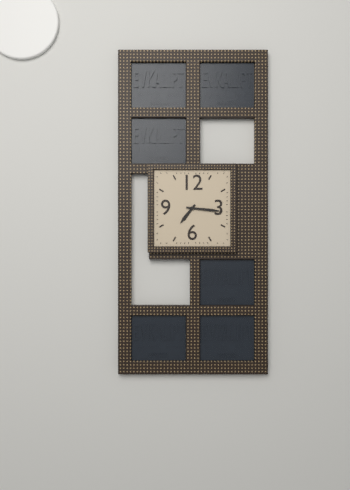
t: h=7 m=16
